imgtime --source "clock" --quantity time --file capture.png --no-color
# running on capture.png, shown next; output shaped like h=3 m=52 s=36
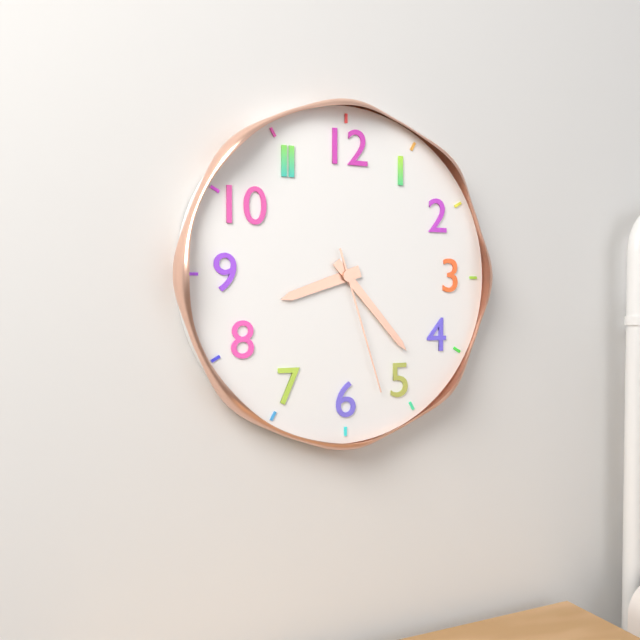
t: h=8 m=23 s=27
